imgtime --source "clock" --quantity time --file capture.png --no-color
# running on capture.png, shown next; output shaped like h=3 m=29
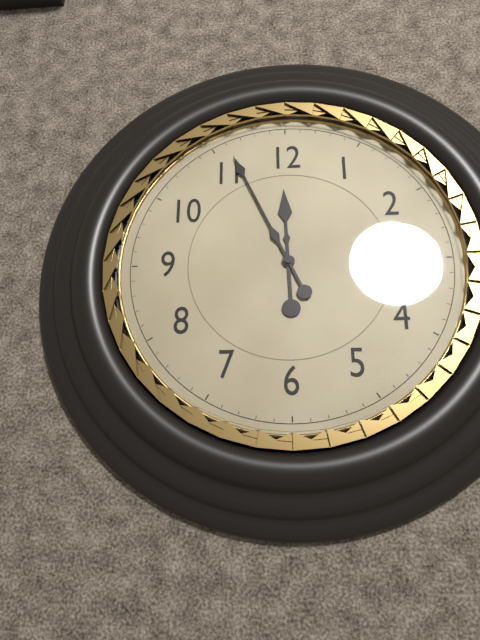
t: h=11 m=56
